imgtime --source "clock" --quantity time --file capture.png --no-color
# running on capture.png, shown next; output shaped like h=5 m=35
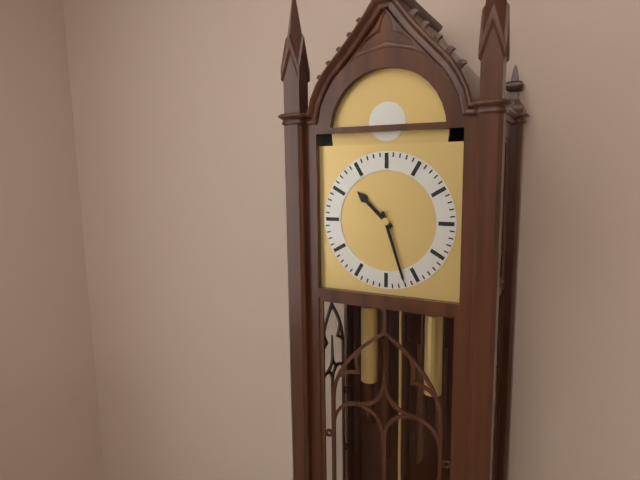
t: h=10 m=27
